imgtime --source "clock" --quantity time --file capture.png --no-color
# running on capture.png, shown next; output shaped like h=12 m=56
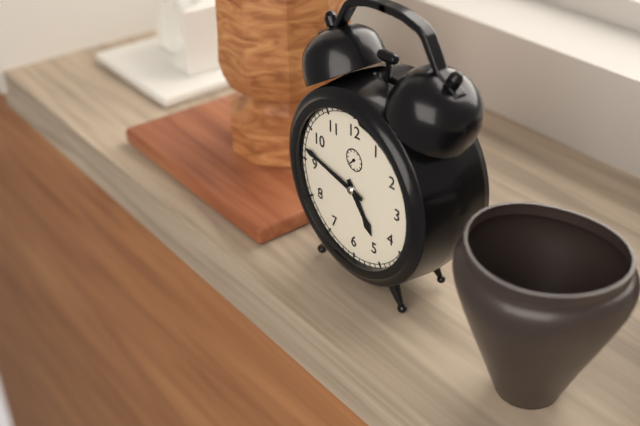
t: h=4 m=47
